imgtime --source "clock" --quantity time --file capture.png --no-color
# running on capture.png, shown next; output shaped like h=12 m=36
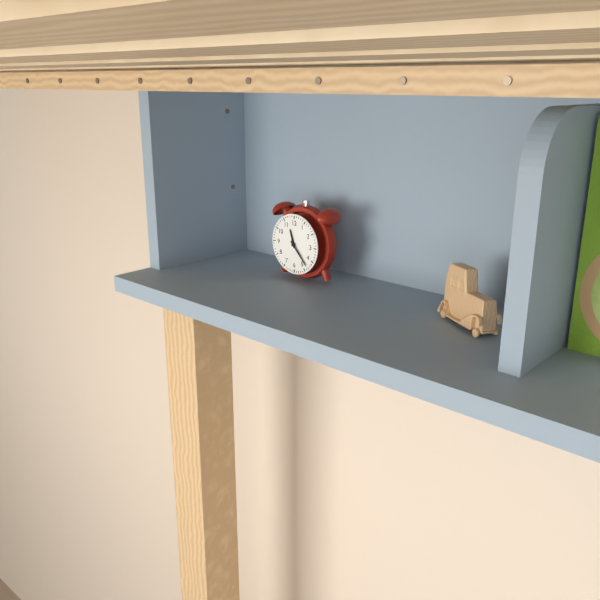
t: h=11 m=23
